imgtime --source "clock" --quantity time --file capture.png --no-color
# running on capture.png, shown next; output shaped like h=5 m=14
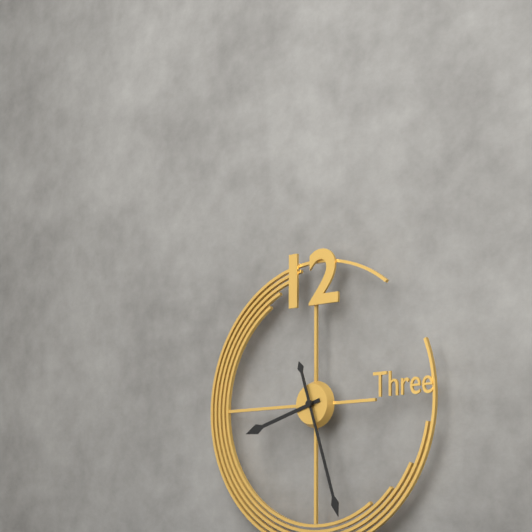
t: h=8 m=27
